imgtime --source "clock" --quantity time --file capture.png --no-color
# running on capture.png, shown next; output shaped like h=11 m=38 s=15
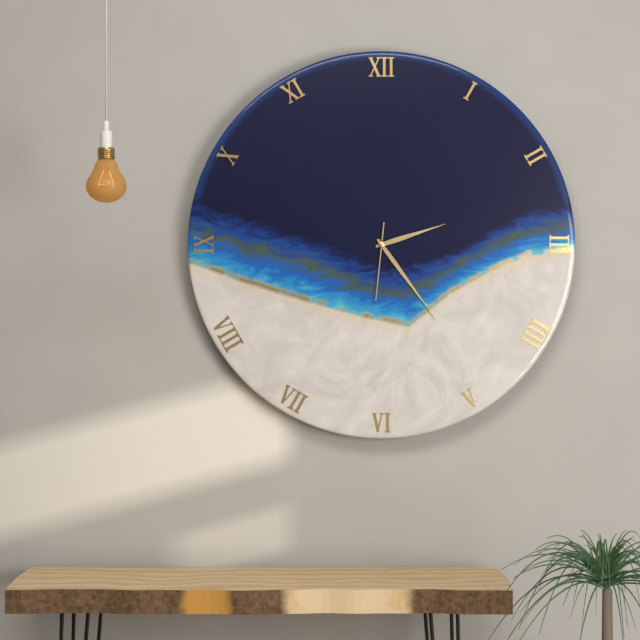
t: h=2 m=24 s=31
